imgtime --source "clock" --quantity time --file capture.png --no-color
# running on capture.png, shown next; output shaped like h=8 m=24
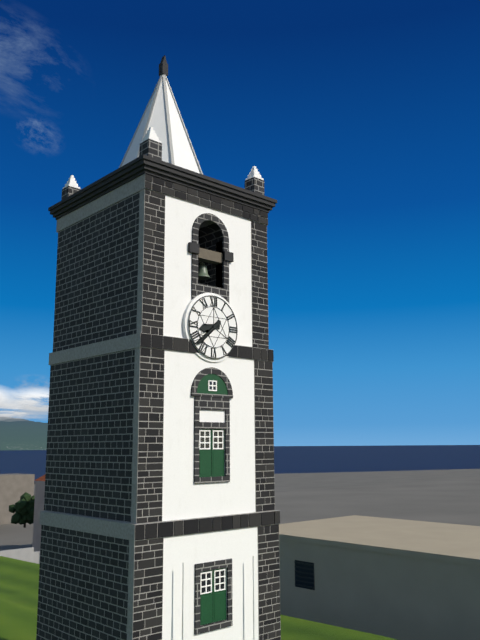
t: h=8 m=38
